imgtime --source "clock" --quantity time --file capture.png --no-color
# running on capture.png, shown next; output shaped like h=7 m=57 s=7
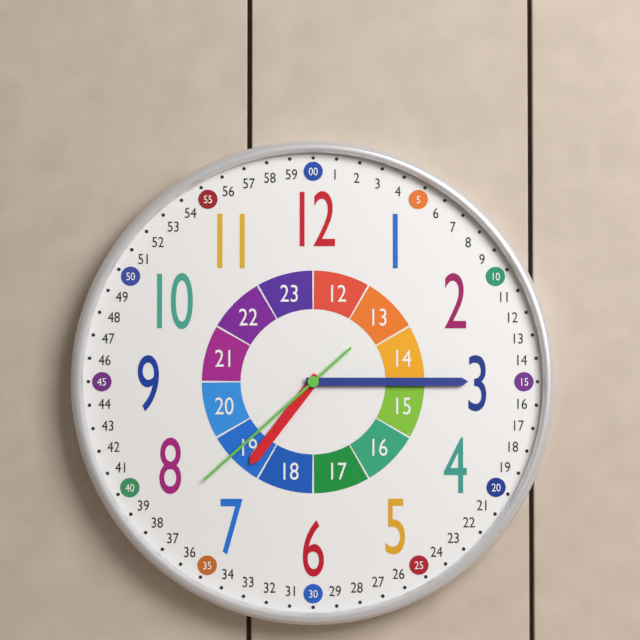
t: h=7 m=15 s=38
